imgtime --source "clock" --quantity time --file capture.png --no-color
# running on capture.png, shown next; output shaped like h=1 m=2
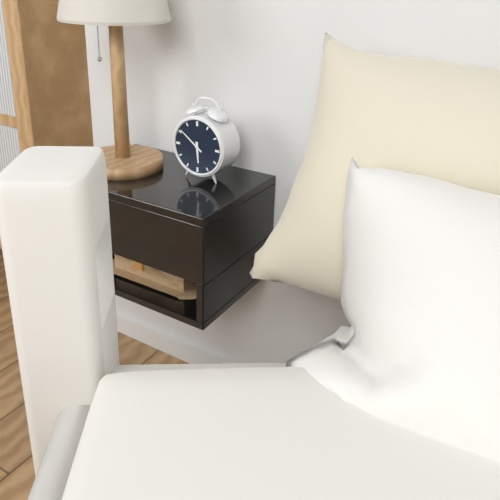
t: h=5 m=51
